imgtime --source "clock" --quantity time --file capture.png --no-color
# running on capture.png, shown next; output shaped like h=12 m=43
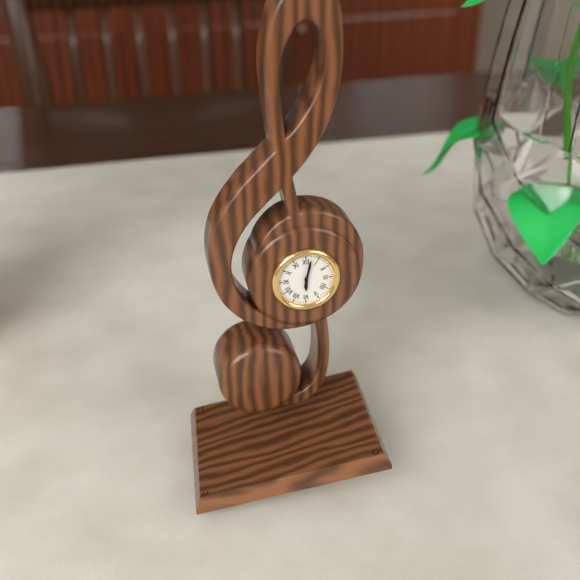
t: h=6 m=2
